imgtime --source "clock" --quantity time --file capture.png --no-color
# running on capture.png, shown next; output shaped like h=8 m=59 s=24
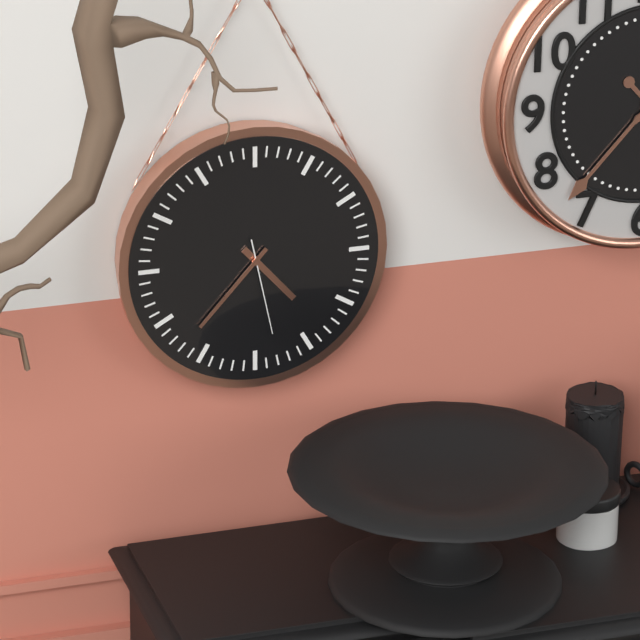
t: h=4 m=37 s=28
